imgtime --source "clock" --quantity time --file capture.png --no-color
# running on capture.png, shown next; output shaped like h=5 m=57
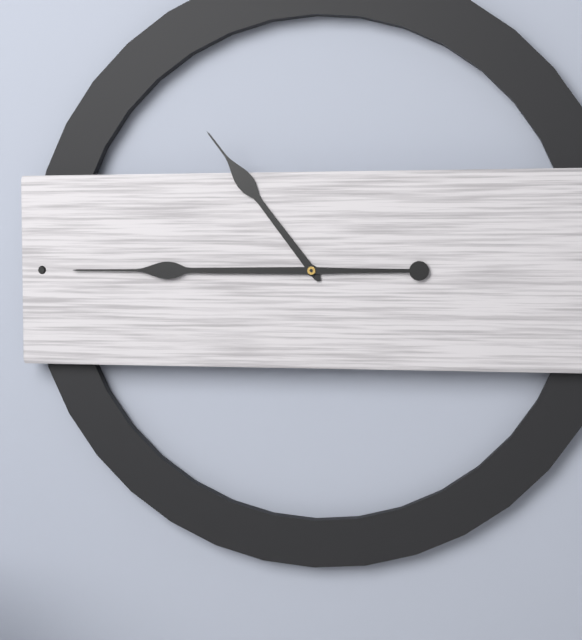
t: h=10 m=45
